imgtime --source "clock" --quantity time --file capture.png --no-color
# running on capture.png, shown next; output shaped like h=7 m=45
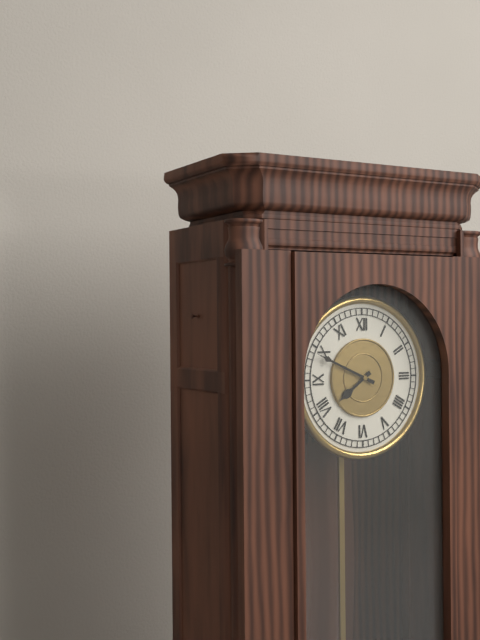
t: h=7 m=49
